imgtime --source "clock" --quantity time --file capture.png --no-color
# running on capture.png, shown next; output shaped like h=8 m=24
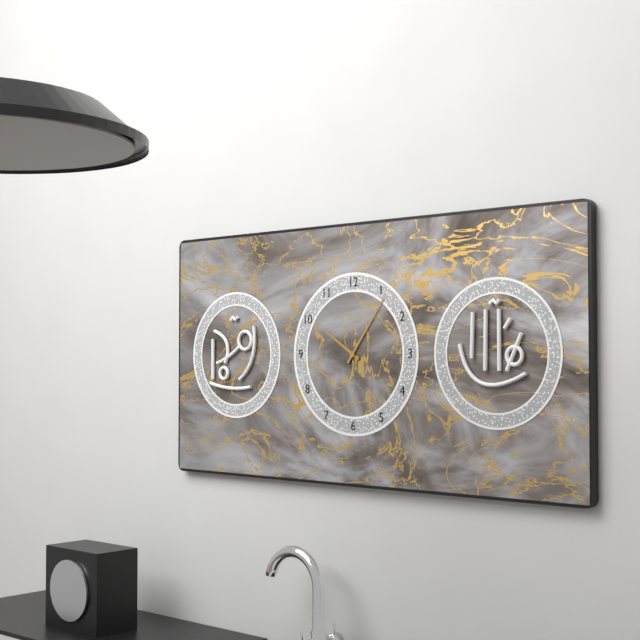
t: h=10 m=6
